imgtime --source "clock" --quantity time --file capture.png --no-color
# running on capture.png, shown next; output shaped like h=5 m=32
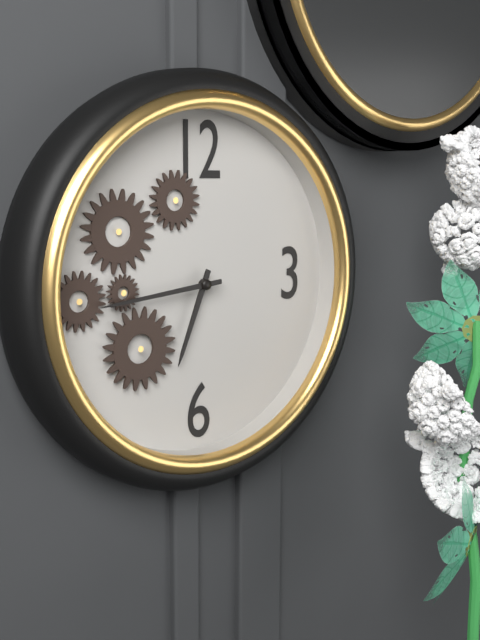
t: h=6 m=44
